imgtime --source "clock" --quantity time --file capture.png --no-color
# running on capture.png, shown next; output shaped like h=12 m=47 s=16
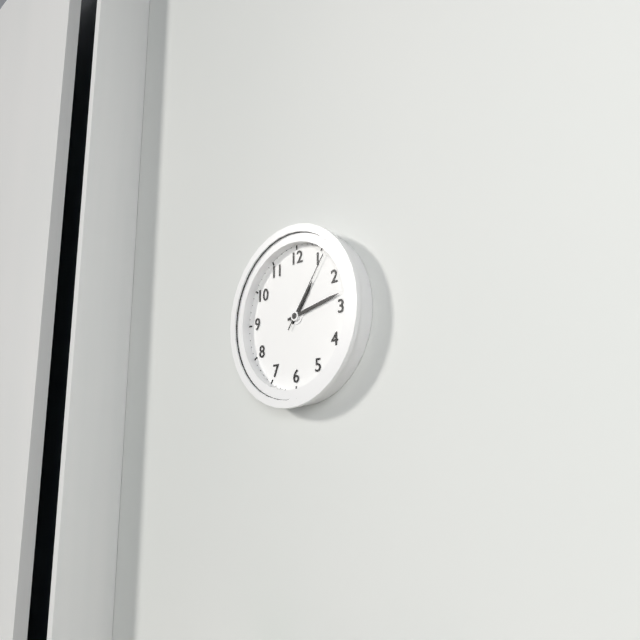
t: h=1 m=13 s=6
